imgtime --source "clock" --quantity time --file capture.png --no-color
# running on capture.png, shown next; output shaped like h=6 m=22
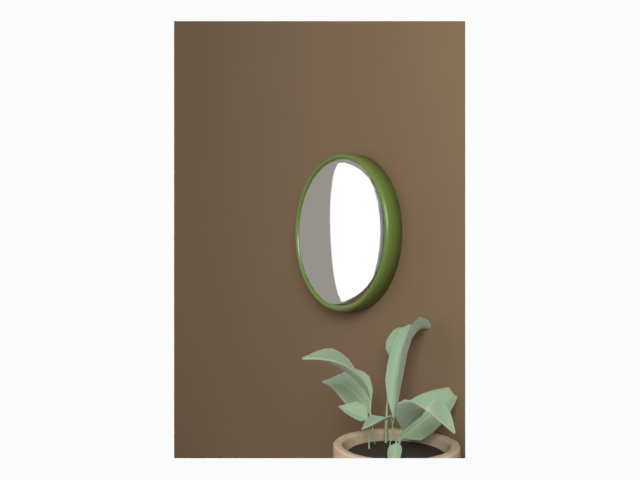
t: h=1 m=59
